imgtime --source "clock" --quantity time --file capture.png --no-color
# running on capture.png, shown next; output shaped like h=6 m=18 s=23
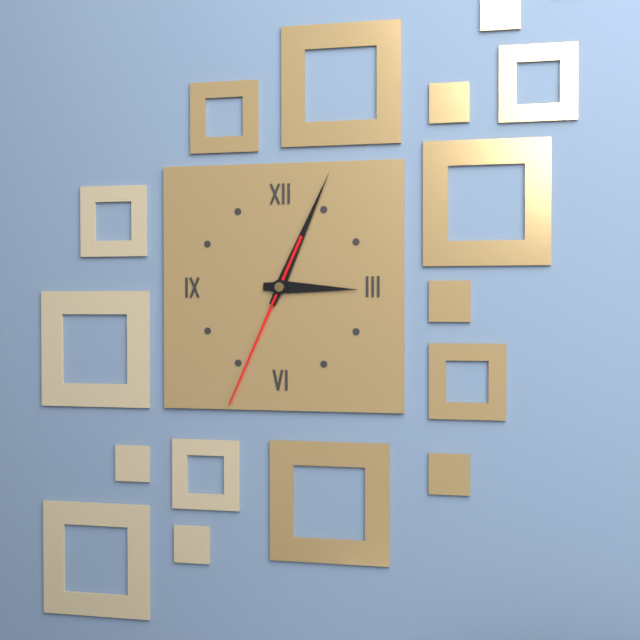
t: h=3 m=4 s=34
